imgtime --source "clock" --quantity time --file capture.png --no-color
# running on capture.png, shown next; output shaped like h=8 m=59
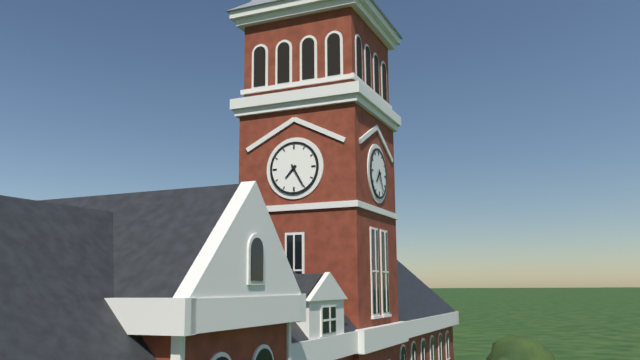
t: h=7 m=25
